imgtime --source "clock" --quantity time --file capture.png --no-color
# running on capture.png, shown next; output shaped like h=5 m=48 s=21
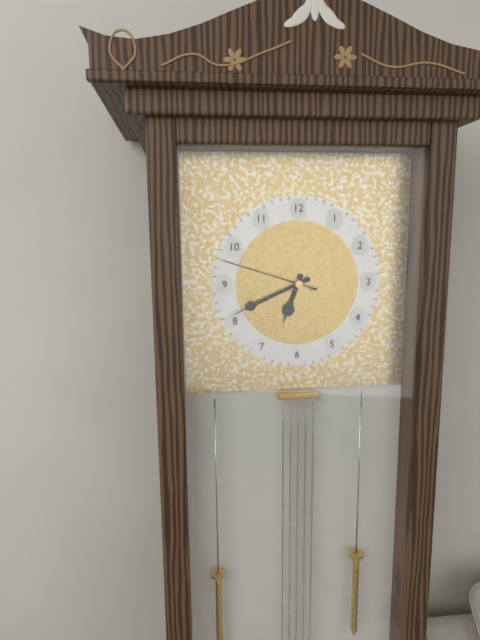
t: h=6 m=41 s=48
